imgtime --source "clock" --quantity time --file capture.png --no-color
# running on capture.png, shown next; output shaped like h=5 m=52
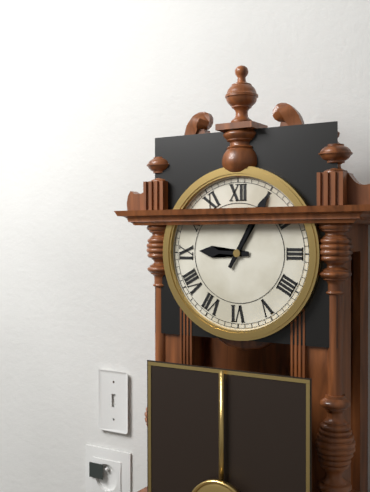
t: h=9 m=5
